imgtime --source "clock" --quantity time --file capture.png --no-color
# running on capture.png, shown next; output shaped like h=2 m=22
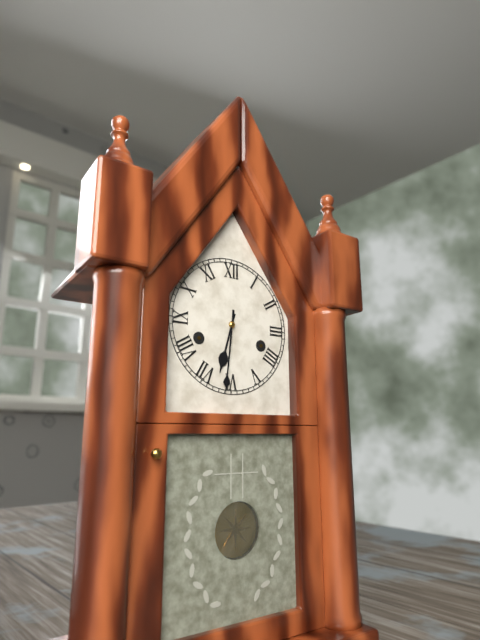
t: h=6 m=31
